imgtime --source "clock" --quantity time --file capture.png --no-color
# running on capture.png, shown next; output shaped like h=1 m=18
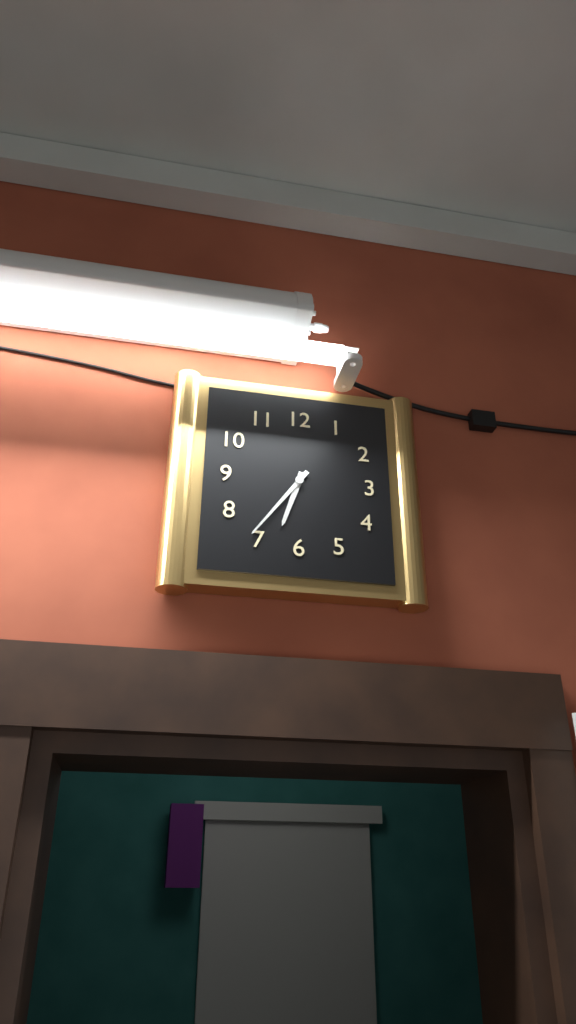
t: h=6 m=36
